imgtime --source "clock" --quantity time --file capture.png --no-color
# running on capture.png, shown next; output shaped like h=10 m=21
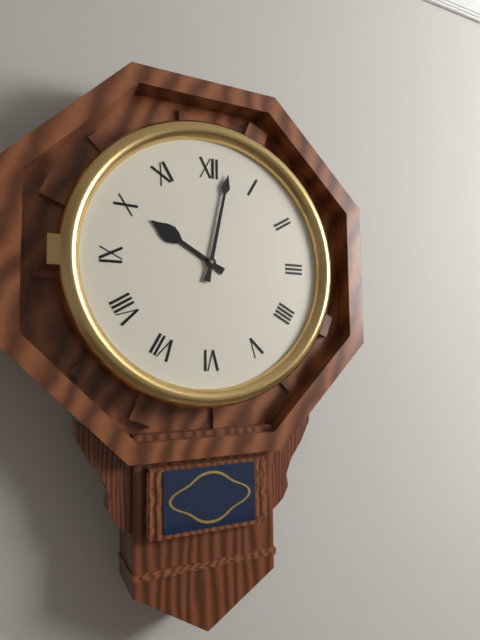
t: h=10 m=2
